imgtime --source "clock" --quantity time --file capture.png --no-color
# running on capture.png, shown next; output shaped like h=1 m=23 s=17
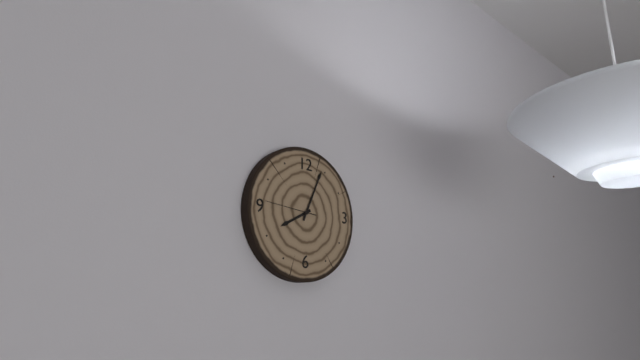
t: h=8 m=4 s=46
